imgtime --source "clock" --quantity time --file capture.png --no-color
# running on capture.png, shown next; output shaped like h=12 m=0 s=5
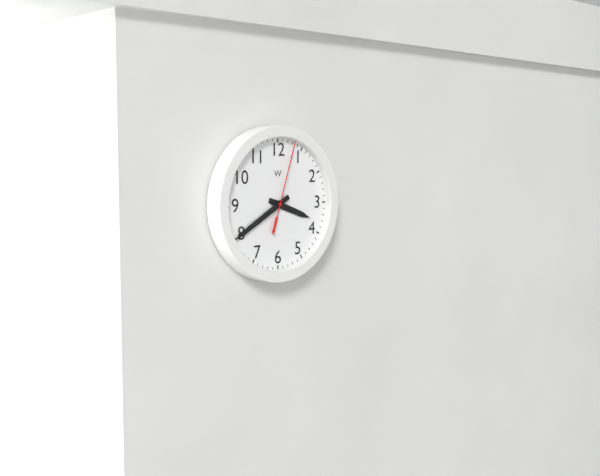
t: h=3 m=40 s=3
